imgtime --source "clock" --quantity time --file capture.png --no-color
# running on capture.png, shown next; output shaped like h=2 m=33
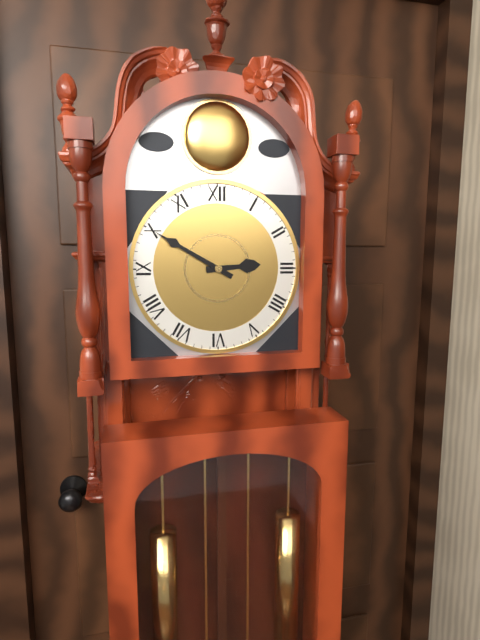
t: h=2 m=50
